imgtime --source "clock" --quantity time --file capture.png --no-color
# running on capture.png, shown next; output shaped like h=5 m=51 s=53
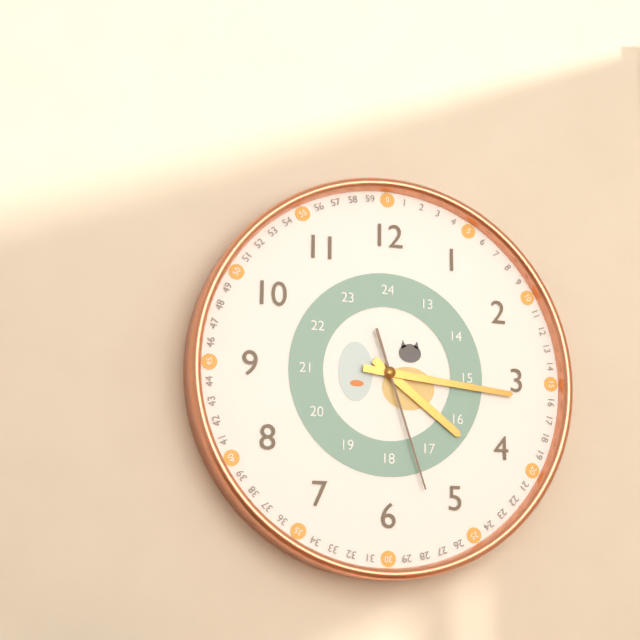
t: h=4 m=16 s=27
